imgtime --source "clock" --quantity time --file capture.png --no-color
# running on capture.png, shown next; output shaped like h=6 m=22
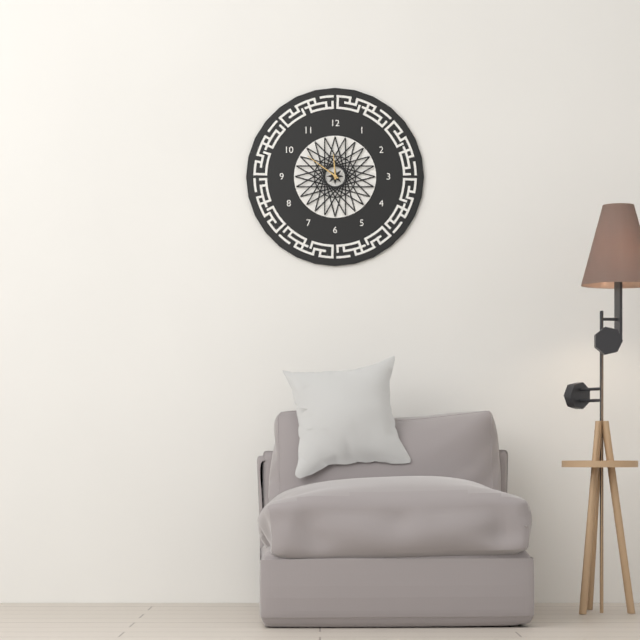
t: h=11 m=51
